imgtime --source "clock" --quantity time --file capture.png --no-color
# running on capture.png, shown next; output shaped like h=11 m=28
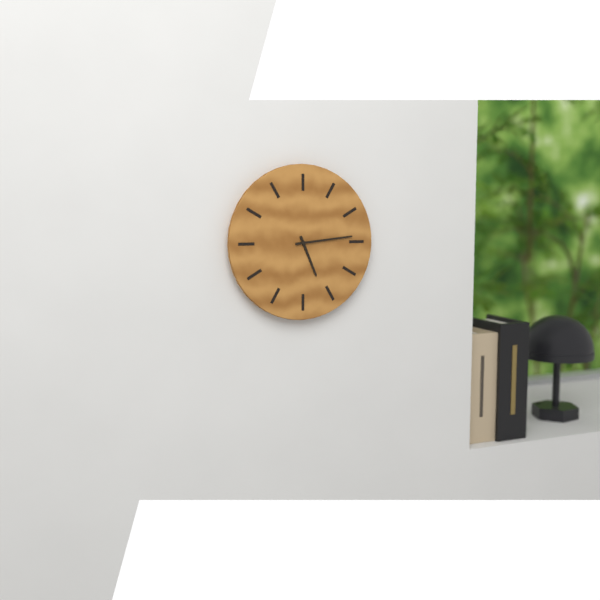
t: h=5 m=14
